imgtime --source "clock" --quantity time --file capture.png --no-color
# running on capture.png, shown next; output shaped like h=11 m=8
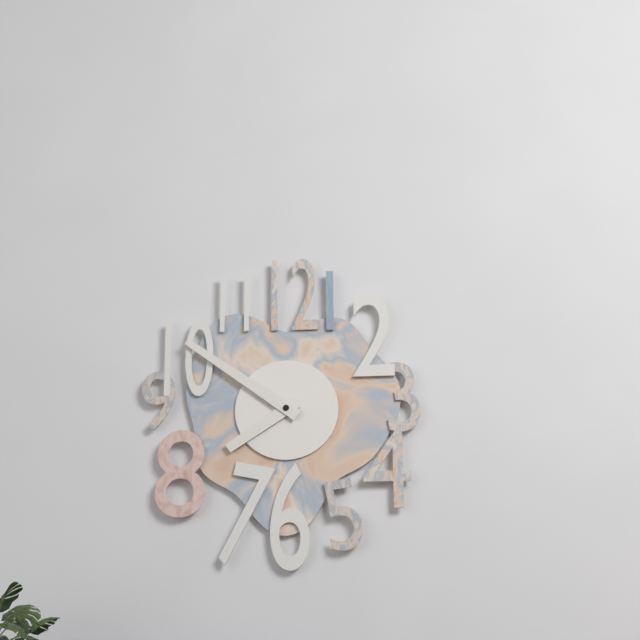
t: h=7 m=51
